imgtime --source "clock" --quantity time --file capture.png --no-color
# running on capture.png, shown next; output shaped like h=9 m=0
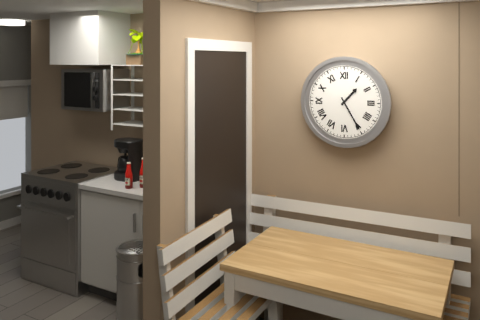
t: h=1 m=25
